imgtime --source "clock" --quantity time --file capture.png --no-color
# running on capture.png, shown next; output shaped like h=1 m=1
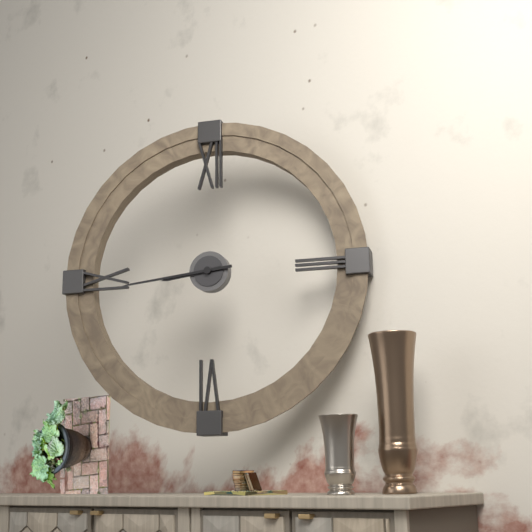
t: h=8 m=44
